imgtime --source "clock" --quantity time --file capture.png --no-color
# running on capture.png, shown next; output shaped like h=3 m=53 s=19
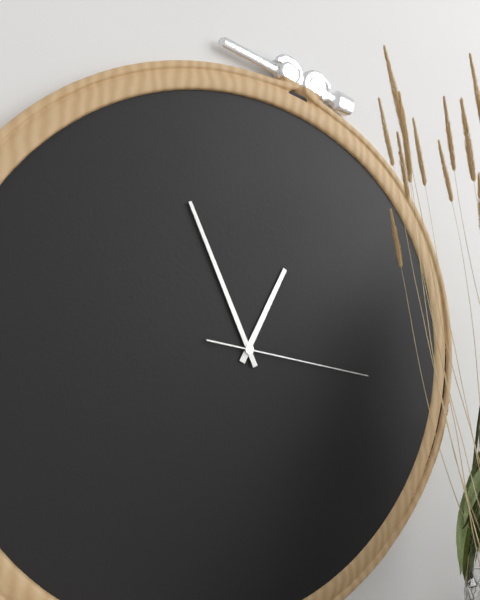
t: h=12 m=56 s=17
